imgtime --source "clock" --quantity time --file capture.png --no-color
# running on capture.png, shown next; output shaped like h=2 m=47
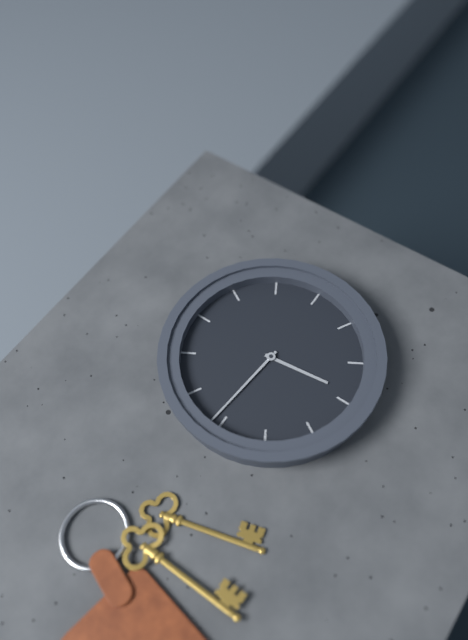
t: h=5 m=46
